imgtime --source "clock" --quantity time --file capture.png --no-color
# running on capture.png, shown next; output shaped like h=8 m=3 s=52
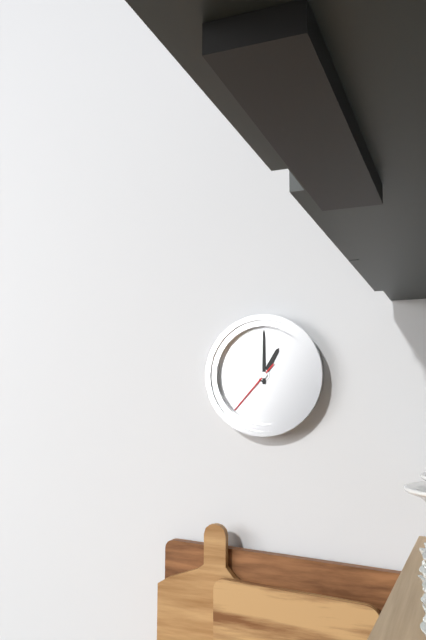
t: h=1 m=0 s=37
